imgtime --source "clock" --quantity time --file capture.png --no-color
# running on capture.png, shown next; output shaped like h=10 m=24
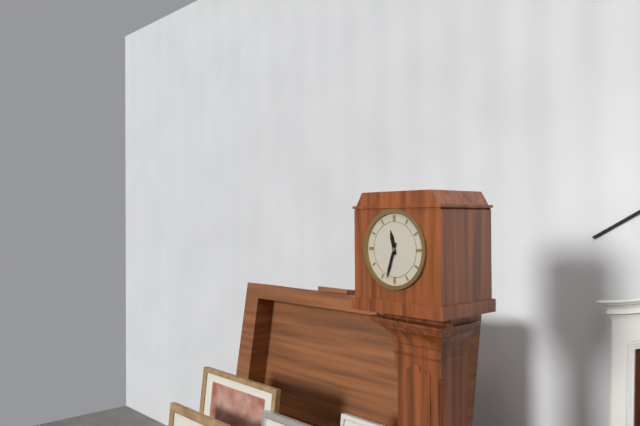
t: h=11 m=33
